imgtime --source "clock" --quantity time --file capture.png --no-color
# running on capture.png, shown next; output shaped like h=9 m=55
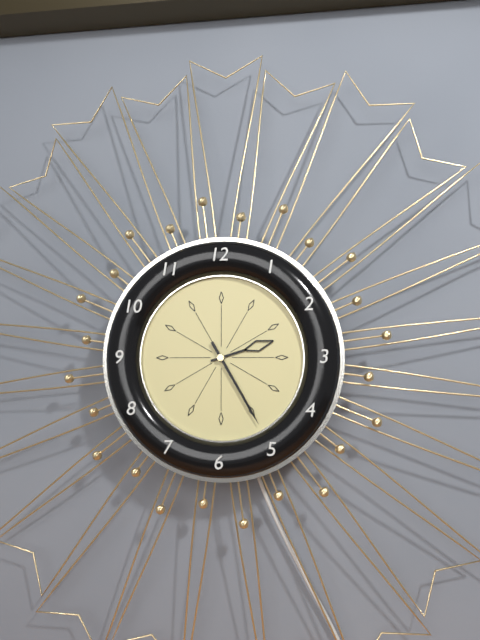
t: h=2 m=25
